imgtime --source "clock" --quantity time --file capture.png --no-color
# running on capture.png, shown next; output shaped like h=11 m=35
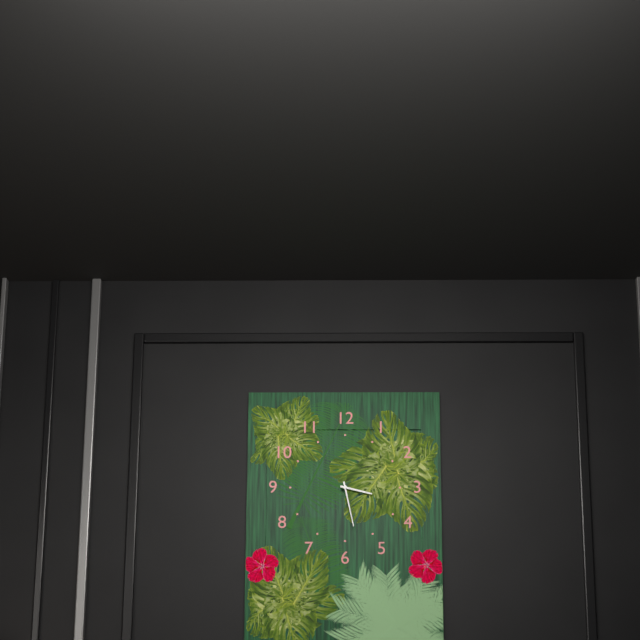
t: h=3 m=28
